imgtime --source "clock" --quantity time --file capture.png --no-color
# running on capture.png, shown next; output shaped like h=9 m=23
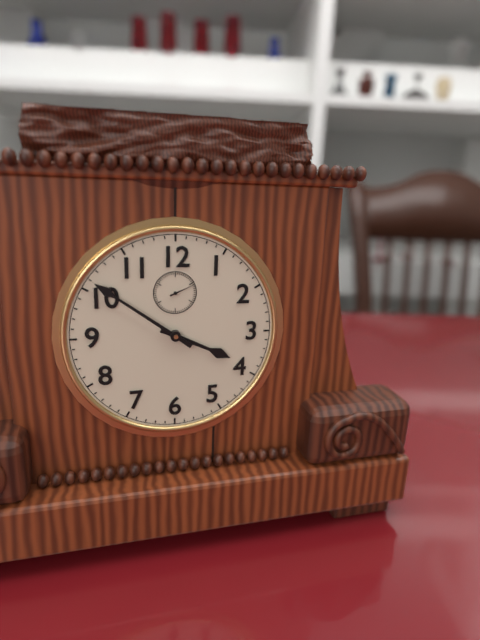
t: h=3 m=51
